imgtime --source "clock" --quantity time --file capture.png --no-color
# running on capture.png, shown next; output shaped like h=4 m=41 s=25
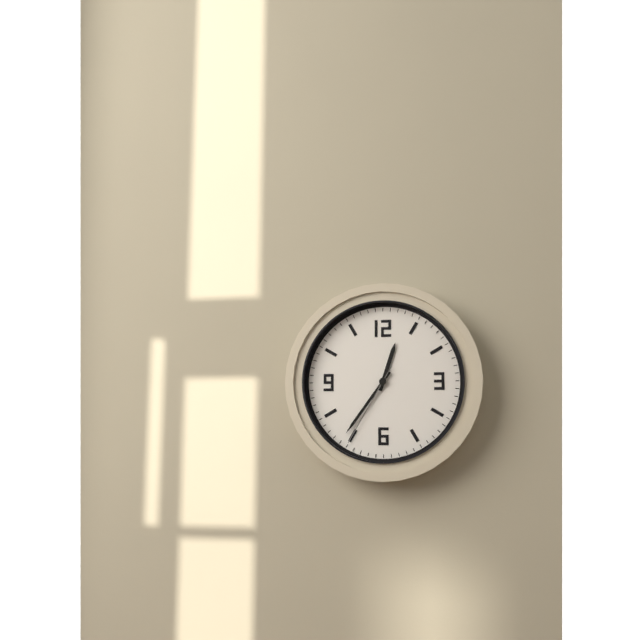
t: h=12 m=36 s=35
